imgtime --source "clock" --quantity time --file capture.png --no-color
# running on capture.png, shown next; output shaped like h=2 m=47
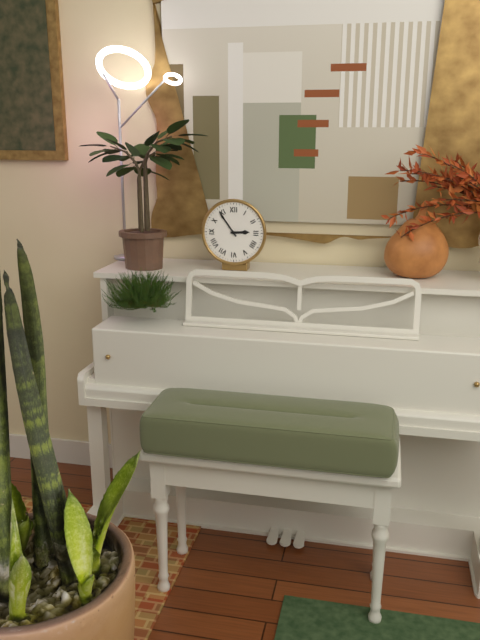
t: h=2 m=54
